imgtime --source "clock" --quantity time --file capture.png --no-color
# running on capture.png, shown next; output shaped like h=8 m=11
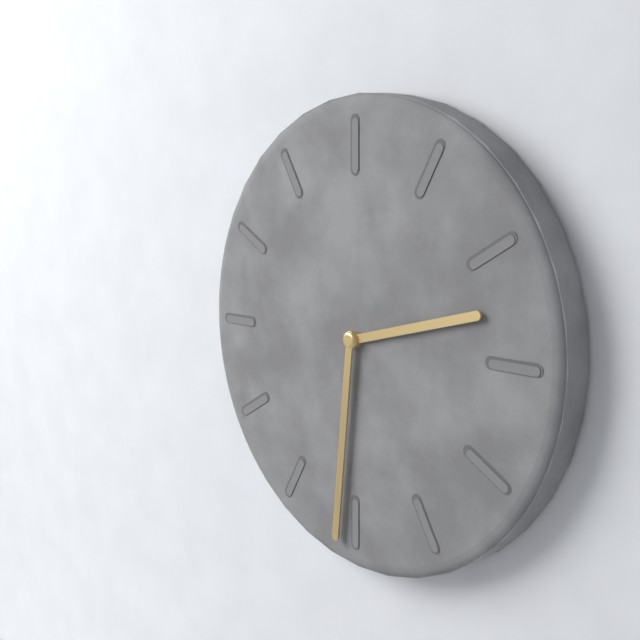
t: h=2 m=31
